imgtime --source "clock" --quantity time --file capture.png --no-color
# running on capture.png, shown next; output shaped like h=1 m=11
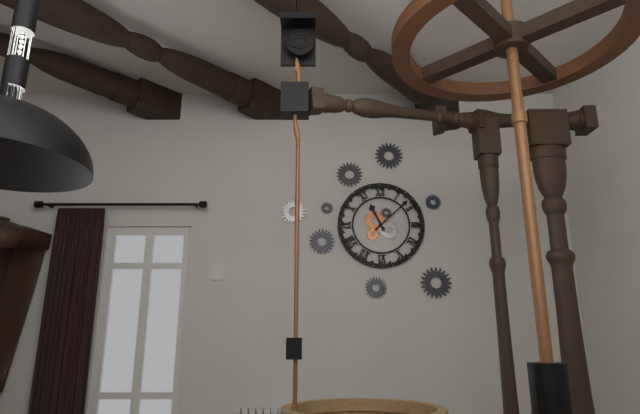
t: h=11 m=8
